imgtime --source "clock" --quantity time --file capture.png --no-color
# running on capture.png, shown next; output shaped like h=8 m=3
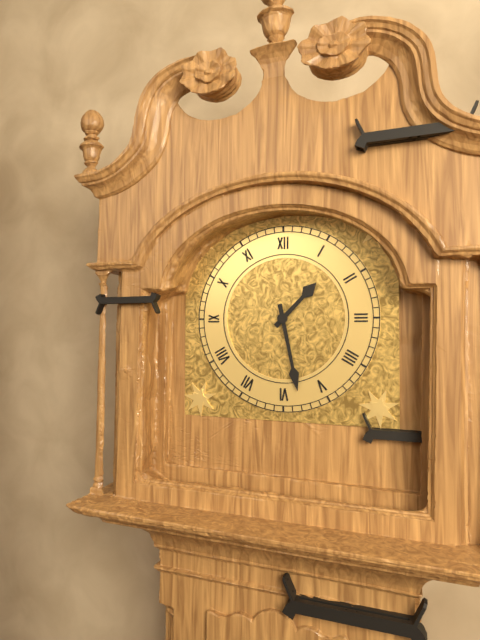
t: h=1 m=28
